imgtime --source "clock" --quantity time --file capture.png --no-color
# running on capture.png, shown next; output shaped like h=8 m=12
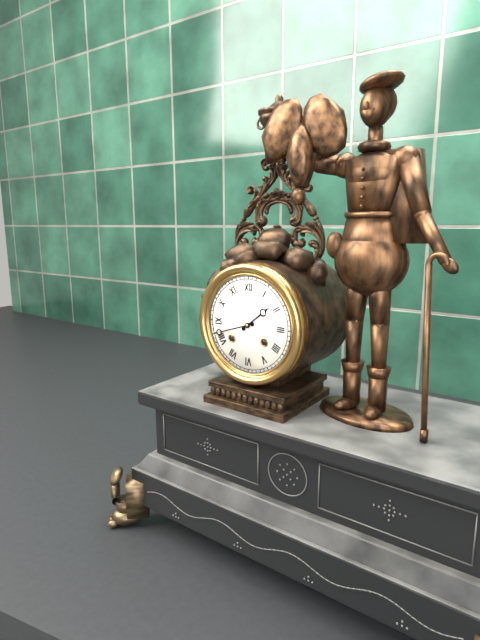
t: h=1 m=42
